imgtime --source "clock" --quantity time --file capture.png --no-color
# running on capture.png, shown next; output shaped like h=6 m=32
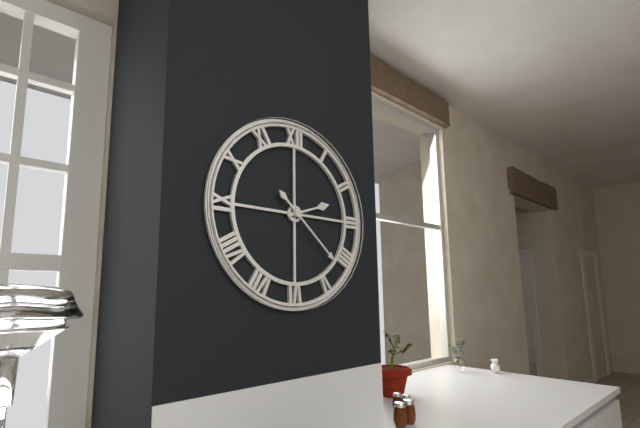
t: h=2 m=22
